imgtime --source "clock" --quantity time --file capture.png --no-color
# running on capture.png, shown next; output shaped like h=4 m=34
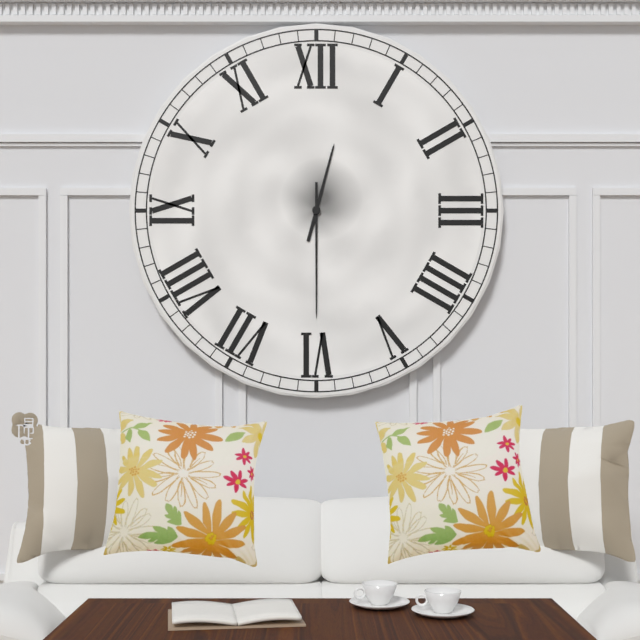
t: h=12 m=30
